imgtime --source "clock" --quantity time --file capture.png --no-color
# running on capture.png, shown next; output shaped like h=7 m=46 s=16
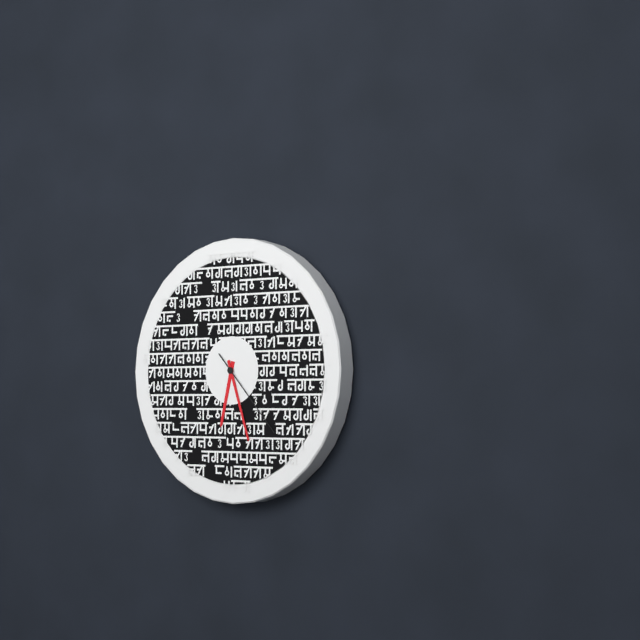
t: h=6 m=27 s=23
